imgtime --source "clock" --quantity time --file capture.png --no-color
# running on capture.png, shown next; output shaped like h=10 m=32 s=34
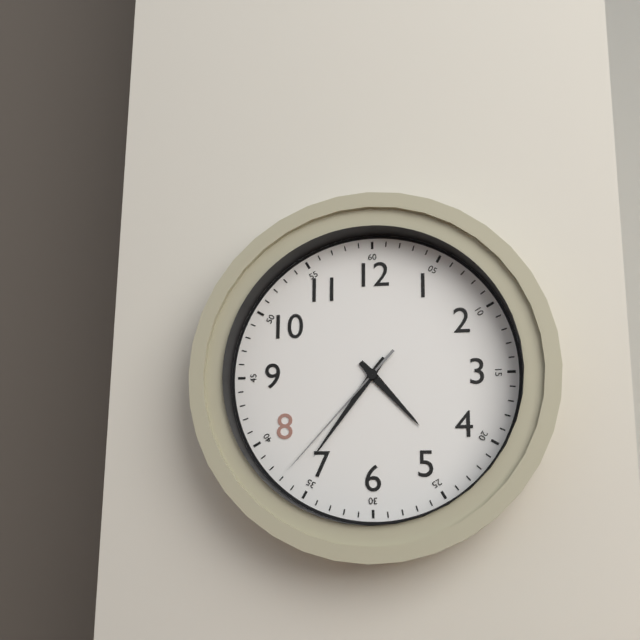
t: h=4 m=36 s=37
